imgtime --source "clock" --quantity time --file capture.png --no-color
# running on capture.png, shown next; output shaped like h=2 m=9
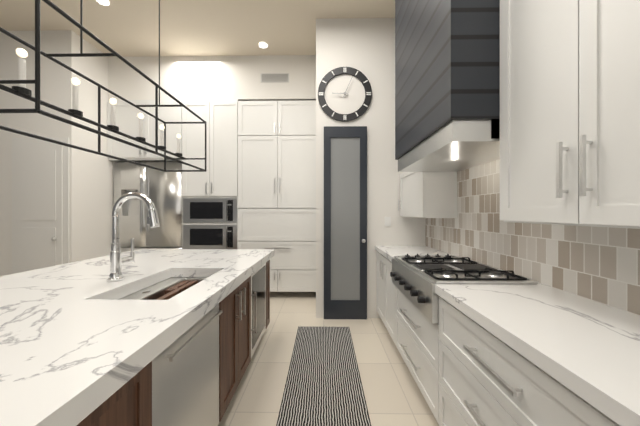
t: h=9 m=4
